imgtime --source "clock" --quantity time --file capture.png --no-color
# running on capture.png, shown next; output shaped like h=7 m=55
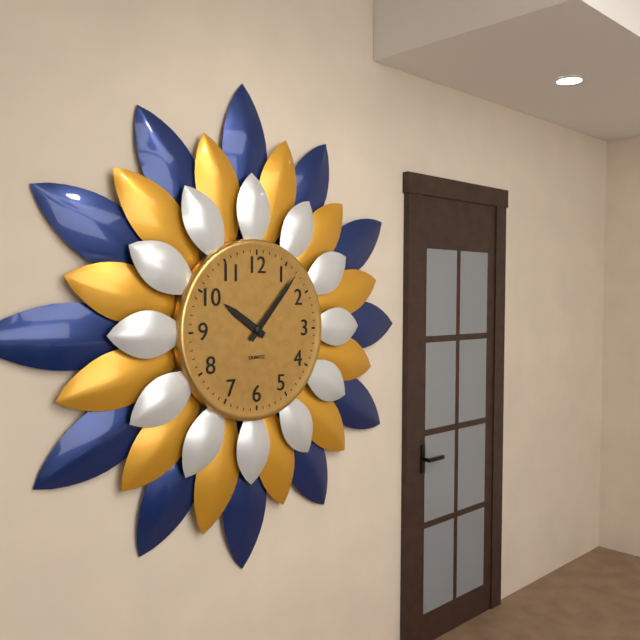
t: h=10 m=7
